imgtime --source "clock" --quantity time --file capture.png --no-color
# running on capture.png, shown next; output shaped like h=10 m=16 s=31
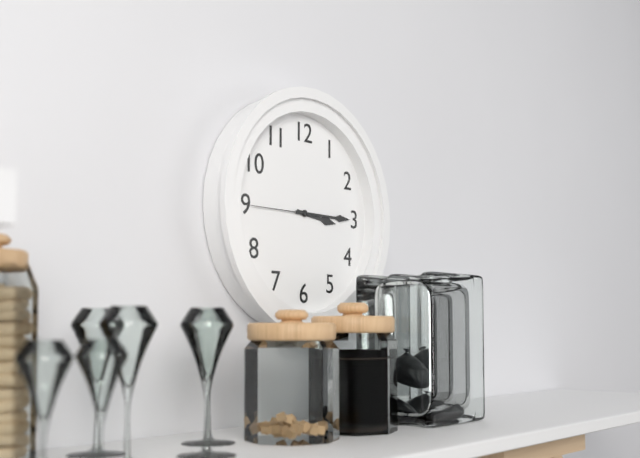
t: h=3 m=15 s=45
